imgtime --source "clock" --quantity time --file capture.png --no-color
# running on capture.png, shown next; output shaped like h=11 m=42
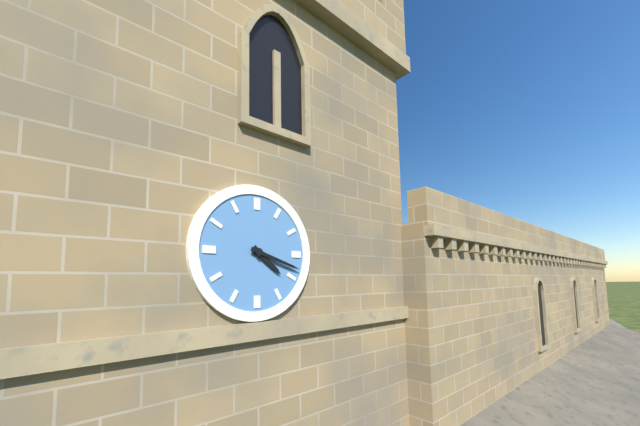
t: h=4 m=18
